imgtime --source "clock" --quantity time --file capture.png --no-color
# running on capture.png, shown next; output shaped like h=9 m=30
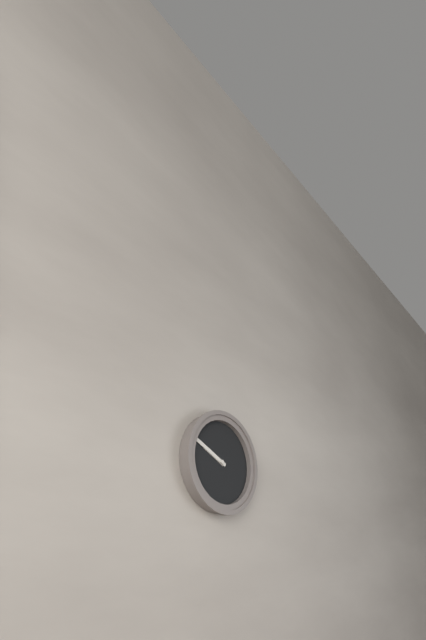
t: h=9 m=49
